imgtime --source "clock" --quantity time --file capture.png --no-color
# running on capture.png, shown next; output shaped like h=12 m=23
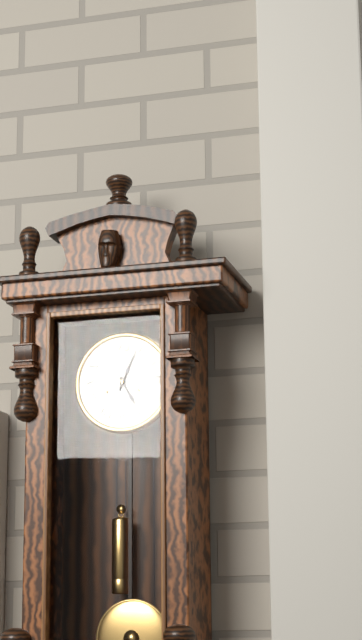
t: h=5 m=4
